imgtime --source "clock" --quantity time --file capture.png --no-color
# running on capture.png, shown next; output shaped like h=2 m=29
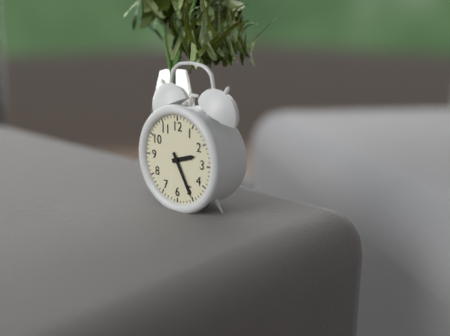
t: h=2 m=25
